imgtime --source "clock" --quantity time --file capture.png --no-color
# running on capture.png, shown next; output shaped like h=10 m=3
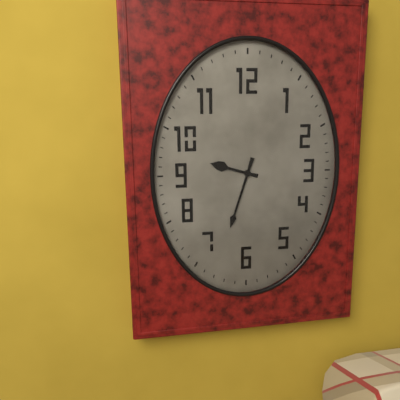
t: h=9 m=33
